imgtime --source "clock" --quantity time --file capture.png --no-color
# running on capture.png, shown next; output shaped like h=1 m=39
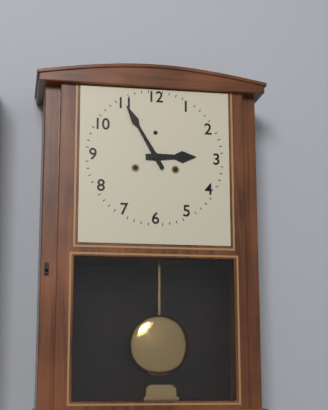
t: h=2 m=55
